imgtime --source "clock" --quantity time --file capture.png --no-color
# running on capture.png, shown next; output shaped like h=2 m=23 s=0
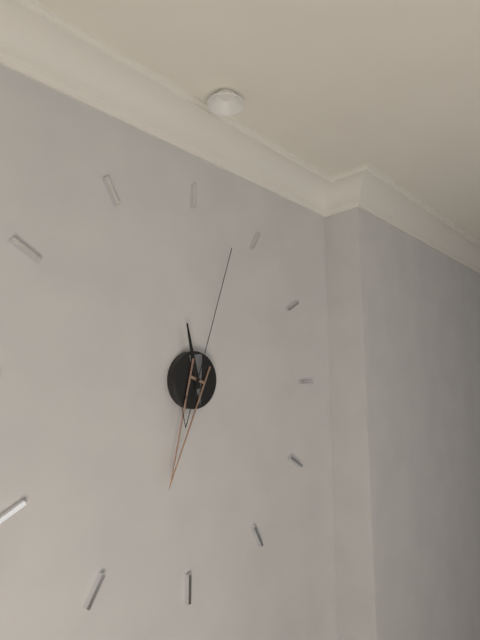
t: h=11 m=33 s=3
